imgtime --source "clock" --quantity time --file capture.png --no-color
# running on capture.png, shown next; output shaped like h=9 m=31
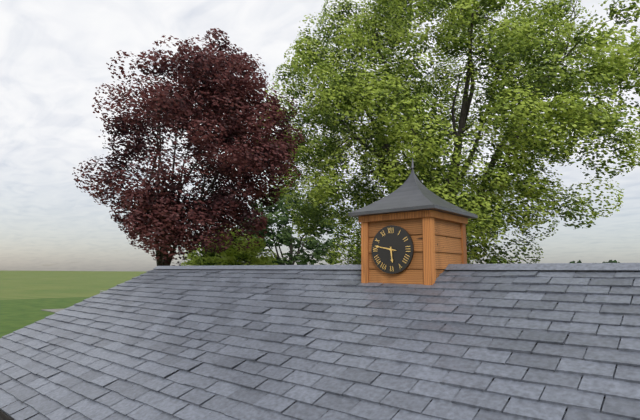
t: h=5 m=47
